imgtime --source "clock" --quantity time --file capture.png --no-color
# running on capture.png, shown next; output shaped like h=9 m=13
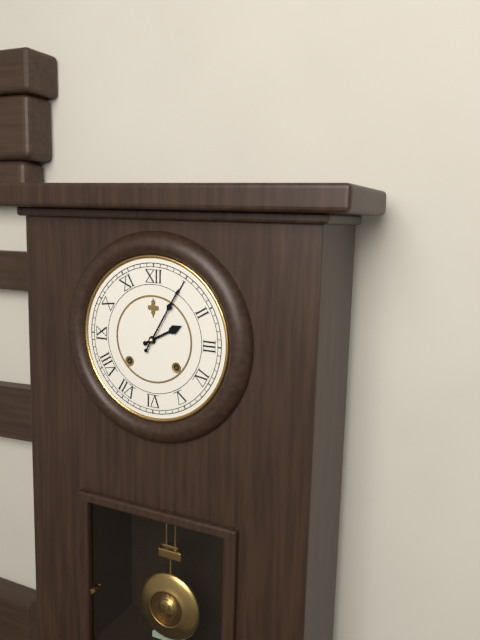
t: h=2 m=5
